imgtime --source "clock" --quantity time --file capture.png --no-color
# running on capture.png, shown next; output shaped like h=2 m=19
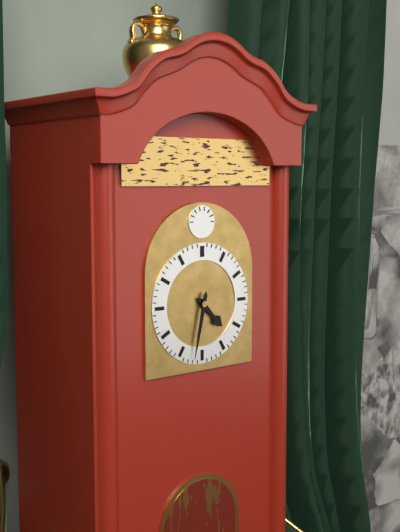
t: h=4 m=32
